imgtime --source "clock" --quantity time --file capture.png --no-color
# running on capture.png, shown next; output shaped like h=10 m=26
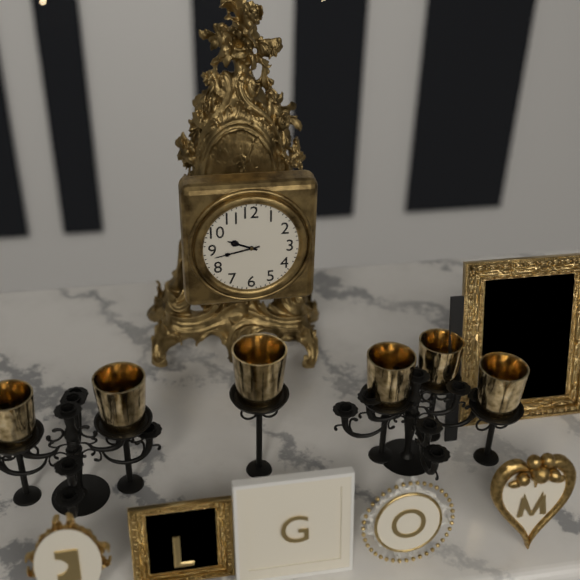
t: h=9 m=43
